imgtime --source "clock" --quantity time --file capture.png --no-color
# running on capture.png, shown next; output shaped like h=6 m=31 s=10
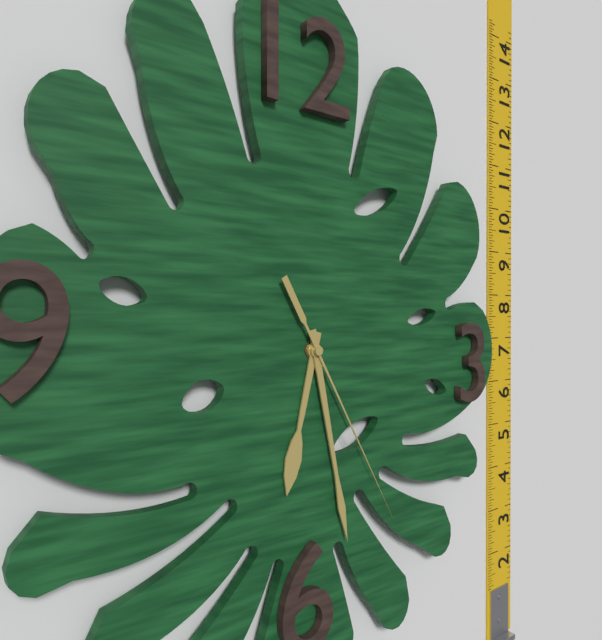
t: h=6 m=28 s=25
